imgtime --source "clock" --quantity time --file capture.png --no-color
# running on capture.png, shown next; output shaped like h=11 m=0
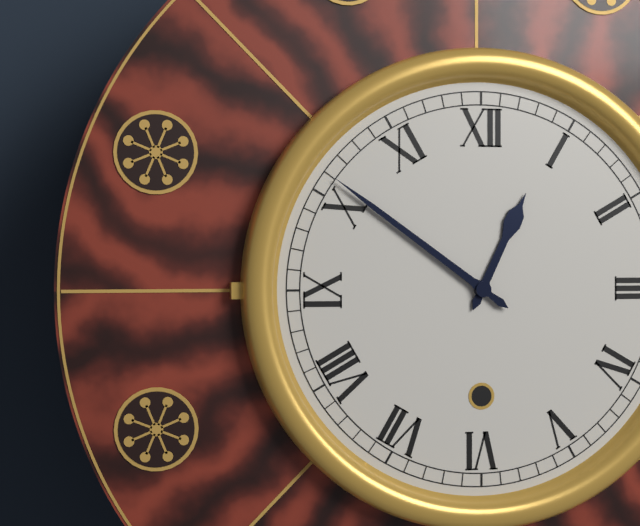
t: h=12 m=51
